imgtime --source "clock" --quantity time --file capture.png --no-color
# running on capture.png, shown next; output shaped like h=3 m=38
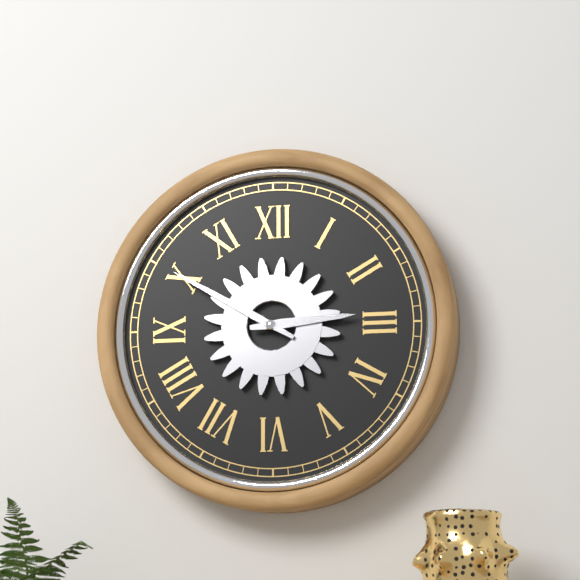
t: h=2 m=50
